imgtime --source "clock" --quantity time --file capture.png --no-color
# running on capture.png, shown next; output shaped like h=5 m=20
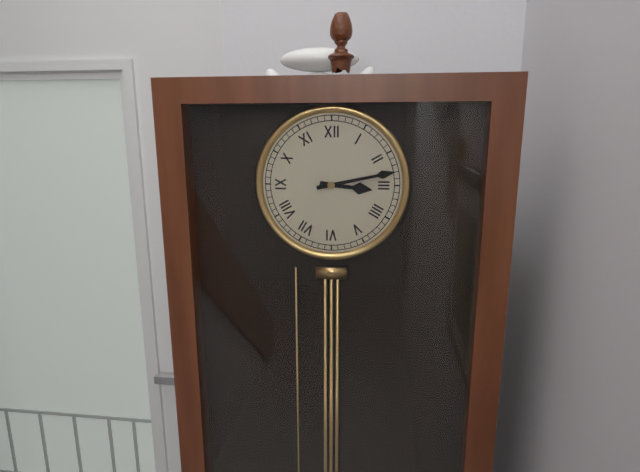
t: h=3 m=13
